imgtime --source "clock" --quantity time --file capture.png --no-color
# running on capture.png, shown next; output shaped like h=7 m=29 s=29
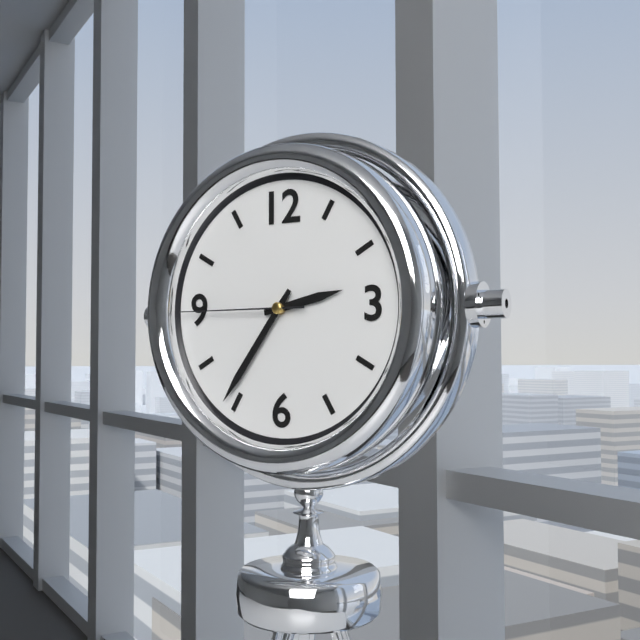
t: h=2 m=36 s=45
